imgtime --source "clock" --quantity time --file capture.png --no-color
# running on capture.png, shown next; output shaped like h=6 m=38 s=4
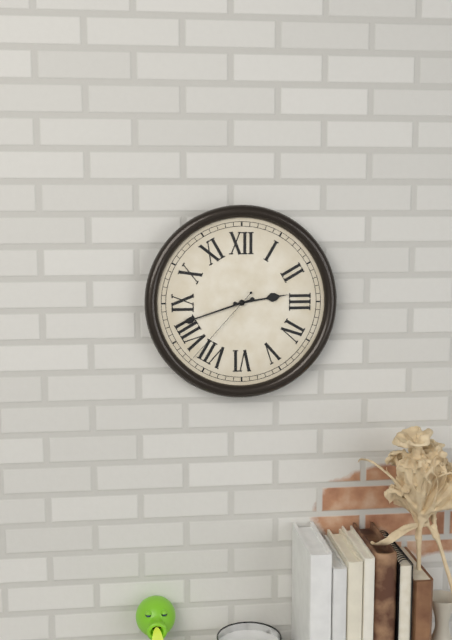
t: h=2 m=42 s=37
